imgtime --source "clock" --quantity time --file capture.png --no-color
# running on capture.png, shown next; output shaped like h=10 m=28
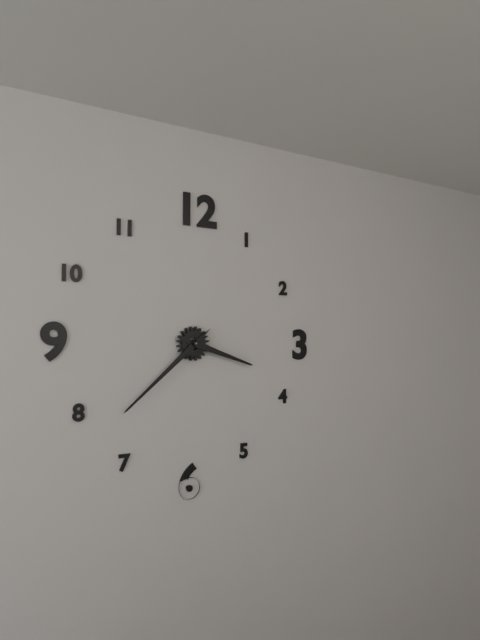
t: h=3 m=38
